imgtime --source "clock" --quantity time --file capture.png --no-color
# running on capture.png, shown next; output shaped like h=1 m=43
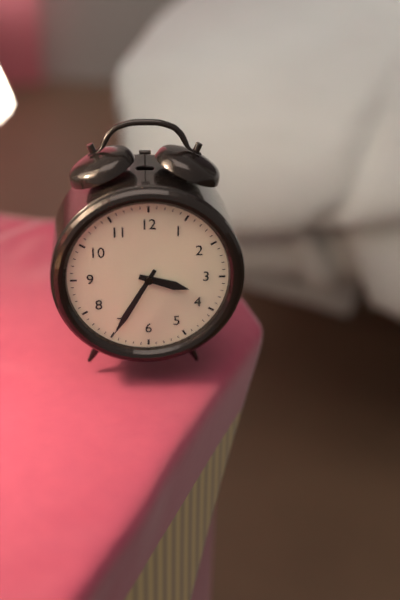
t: h=3 m=35
